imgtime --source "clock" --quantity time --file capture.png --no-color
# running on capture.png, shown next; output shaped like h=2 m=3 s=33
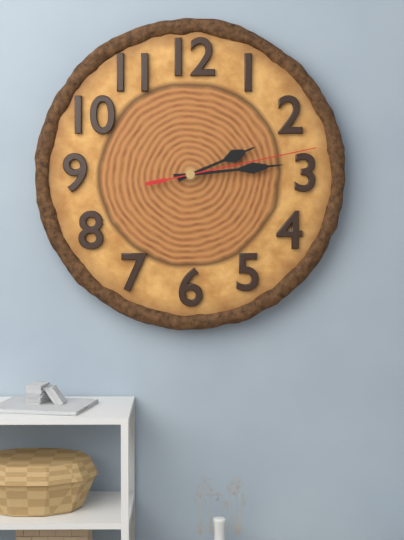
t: h=2 m=14 s=13
